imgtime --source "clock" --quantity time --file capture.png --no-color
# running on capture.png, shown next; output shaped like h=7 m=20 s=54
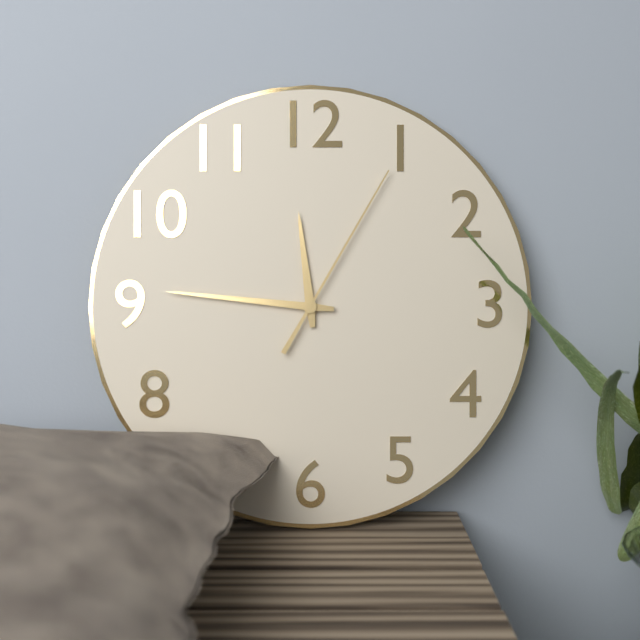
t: h=11 m=46 s=5
